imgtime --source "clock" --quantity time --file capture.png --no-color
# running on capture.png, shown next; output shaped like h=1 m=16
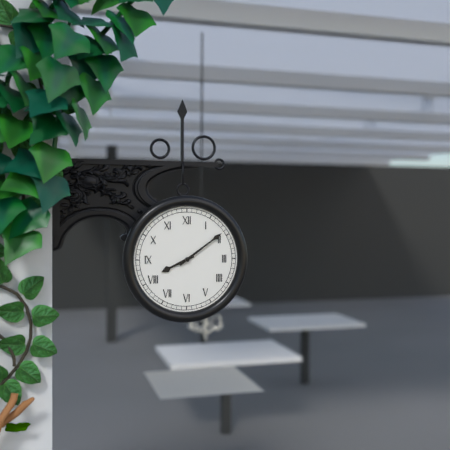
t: h=8 m=9
